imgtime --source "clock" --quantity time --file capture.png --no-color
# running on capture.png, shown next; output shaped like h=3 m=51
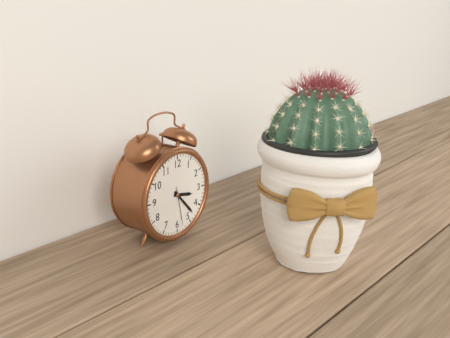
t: h=3 m=23
